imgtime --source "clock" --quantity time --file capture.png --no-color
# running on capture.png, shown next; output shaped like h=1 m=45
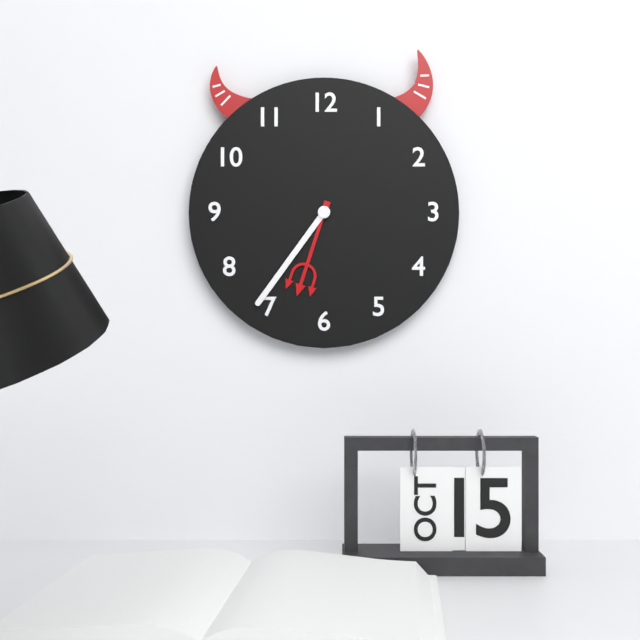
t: h=6 m=36
